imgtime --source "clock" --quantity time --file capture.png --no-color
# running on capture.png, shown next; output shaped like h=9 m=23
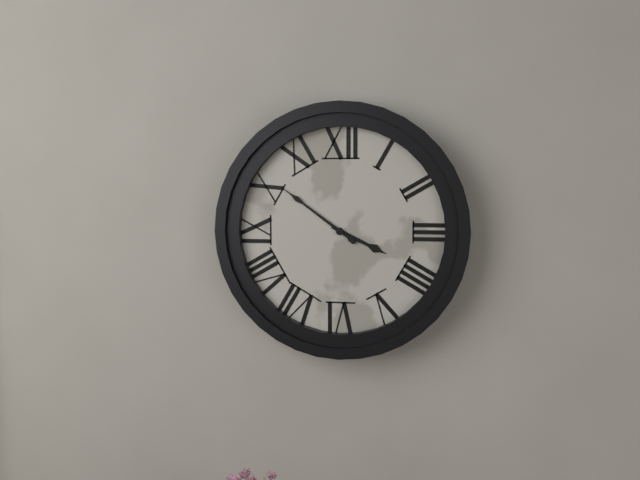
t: h=3 m=51
